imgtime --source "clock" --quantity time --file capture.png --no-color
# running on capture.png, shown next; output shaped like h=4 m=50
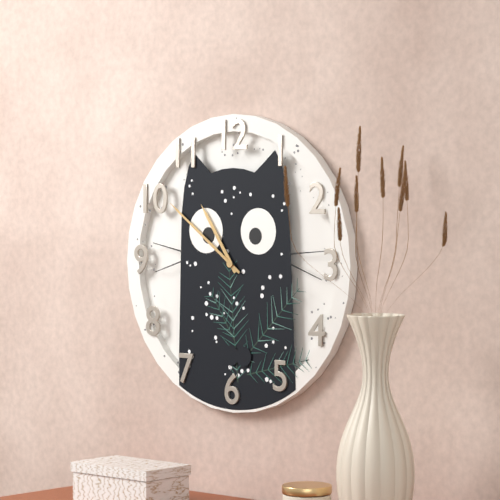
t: h=10 m=51
